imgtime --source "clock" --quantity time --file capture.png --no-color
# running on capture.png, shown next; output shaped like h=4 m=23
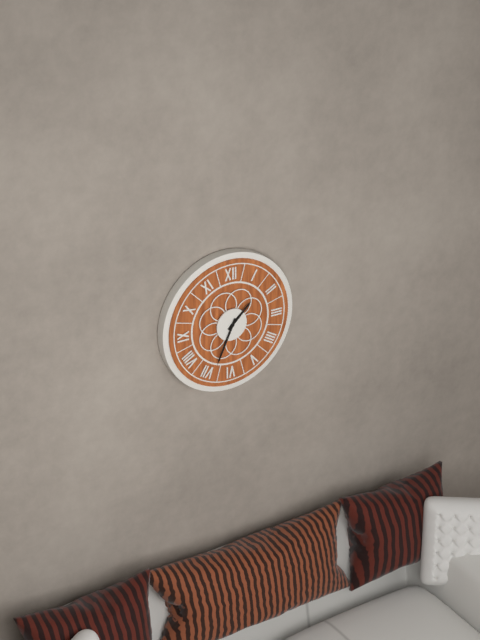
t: h=1 m=34
